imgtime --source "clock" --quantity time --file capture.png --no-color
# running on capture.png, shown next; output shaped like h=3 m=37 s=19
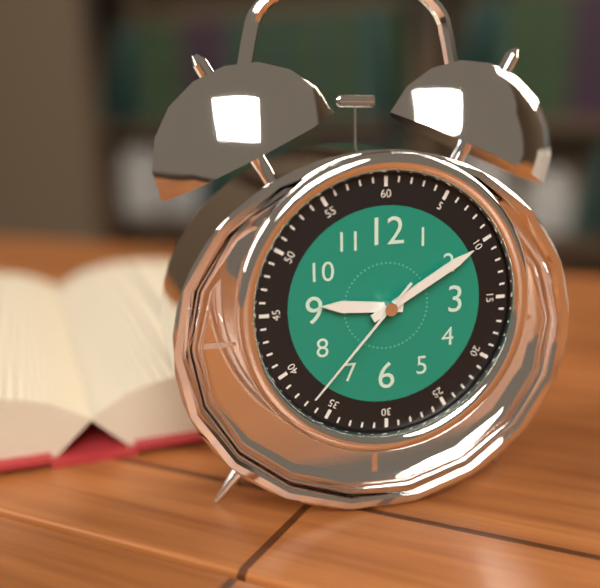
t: h=9 m=10 s=37
